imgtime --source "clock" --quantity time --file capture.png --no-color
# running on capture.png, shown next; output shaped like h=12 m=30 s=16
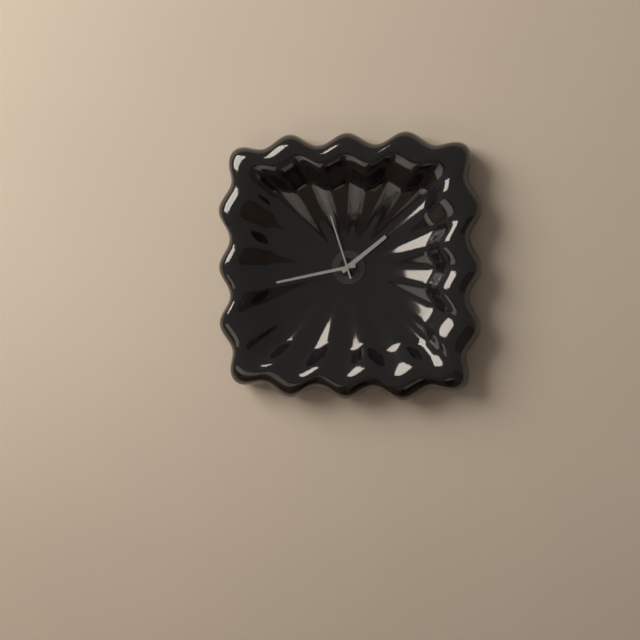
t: h=1 m=43 s=57
